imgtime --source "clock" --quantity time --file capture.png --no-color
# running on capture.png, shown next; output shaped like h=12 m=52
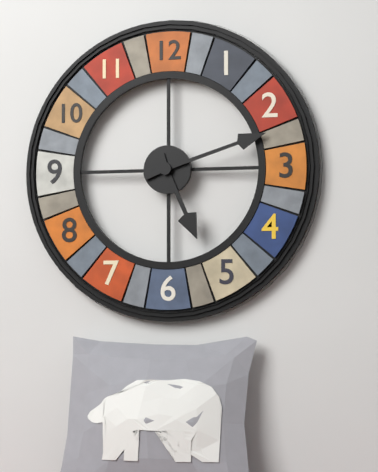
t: h=5 m=12
